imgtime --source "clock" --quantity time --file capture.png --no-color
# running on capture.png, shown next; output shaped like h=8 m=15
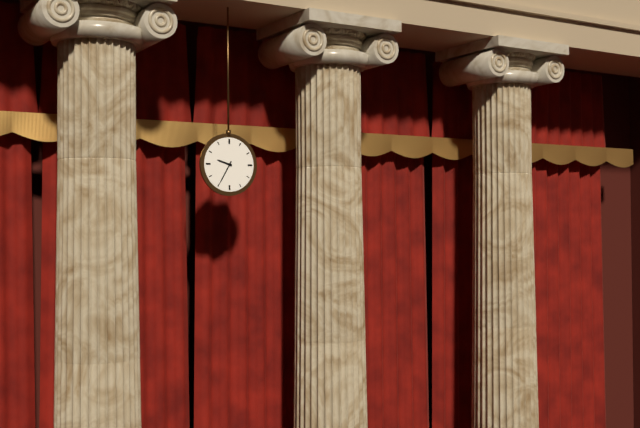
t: h=9 m=35
